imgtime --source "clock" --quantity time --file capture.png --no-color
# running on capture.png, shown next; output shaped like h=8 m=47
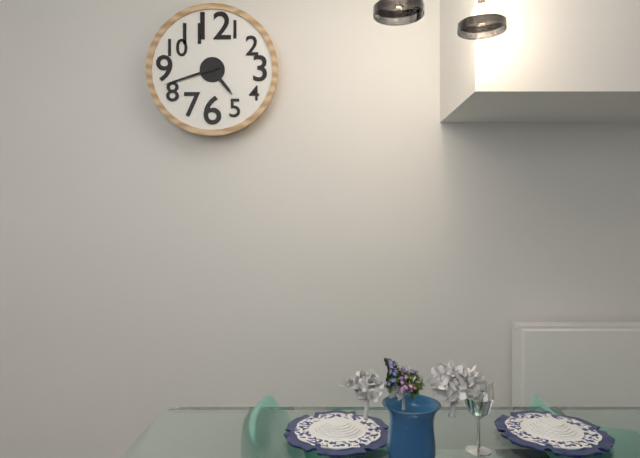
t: h=4 m=42
